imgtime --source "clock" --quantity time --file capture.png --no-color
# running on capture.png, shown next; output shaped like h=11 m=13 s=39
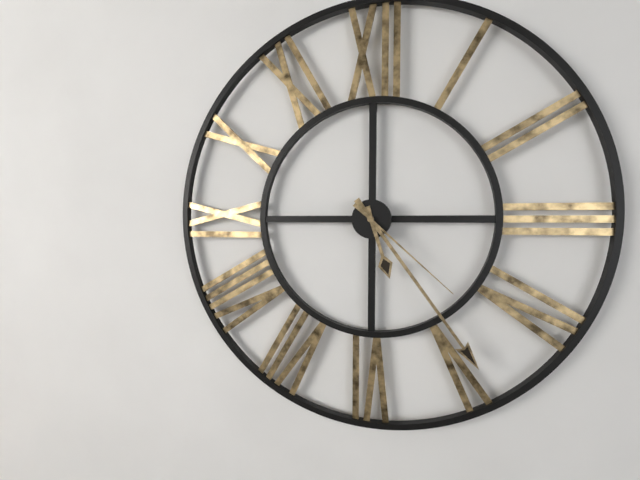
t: h=5 m=24 s=22
